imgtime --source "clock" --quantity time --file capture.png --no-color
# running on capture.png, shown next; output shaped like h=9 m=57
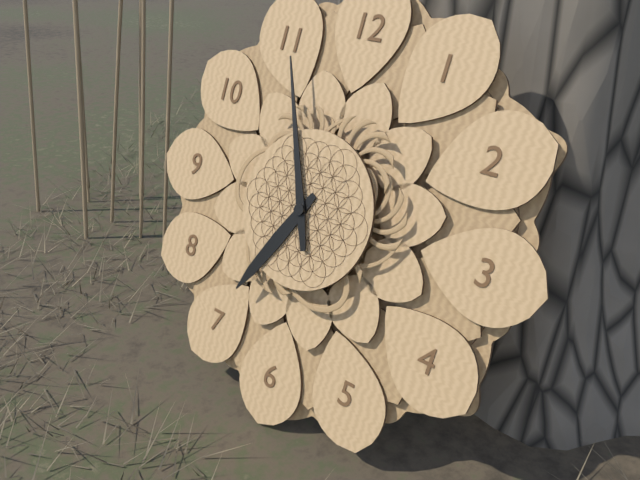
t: h=6 m=56
